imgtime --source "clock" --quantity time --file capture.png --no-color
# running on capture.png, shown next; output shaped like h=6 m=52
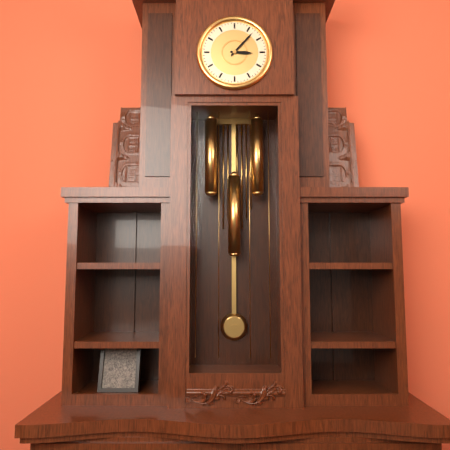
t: h=3 m=7
